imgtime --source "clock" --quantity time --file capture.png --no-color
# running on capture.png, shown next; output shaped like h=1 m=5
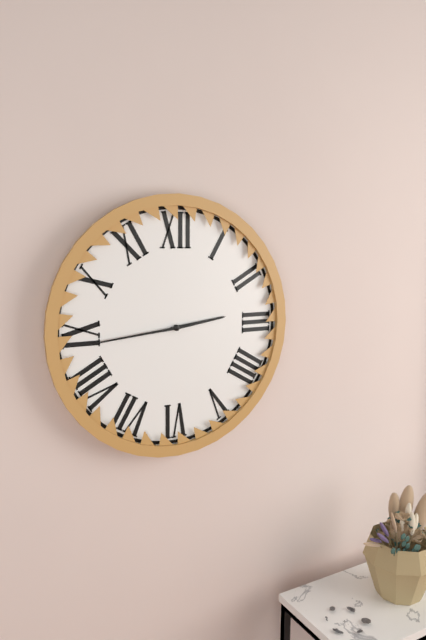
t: h=2 m=44
